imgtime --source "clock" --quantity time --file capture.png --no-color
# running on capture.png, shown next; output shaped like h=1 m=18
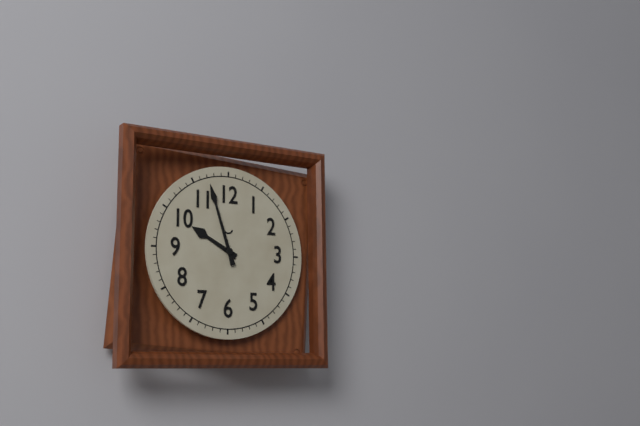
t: h=9 m=57
